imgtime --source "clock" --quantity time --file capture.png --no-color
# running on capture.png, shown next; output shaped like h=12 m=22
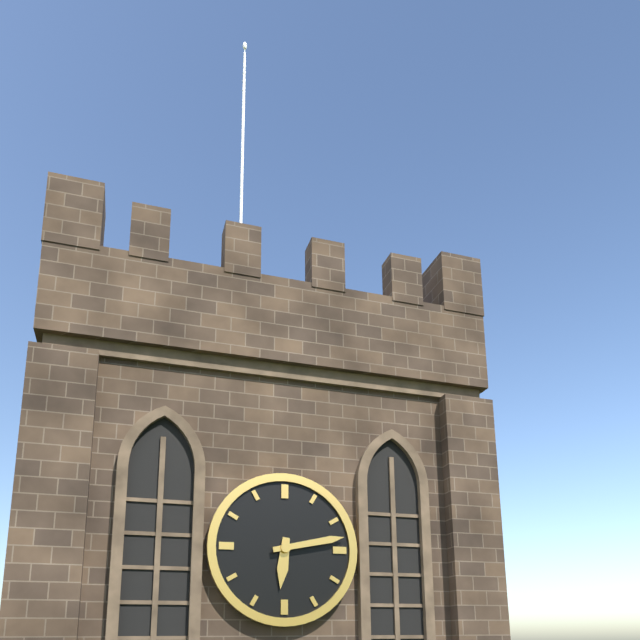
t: h=6 m=13
